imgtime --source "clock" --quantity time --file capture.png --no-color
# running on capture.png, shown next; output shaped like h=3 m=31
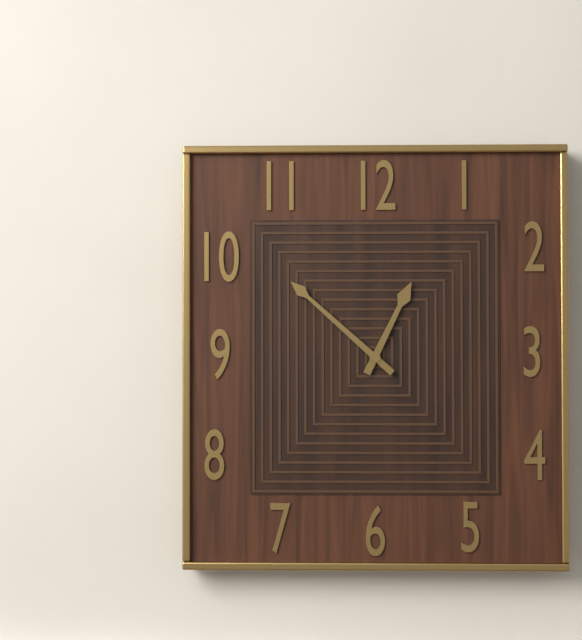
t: h=12 m=52
